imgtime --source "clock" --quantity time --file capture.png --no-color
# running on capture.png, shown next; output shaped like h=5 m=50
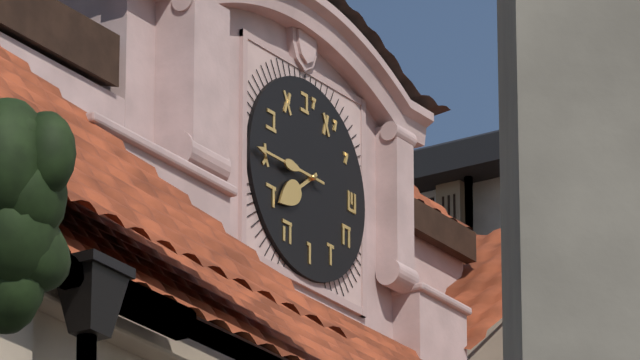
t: h=7 m=45
